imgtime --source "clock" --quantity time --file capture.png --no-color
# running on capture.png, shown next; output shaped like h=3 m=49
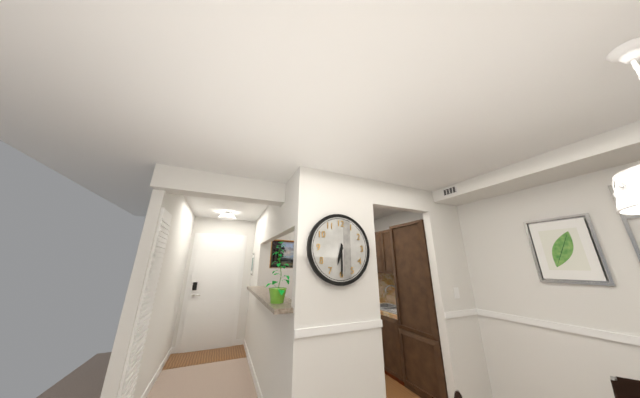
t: h=6 m=30
